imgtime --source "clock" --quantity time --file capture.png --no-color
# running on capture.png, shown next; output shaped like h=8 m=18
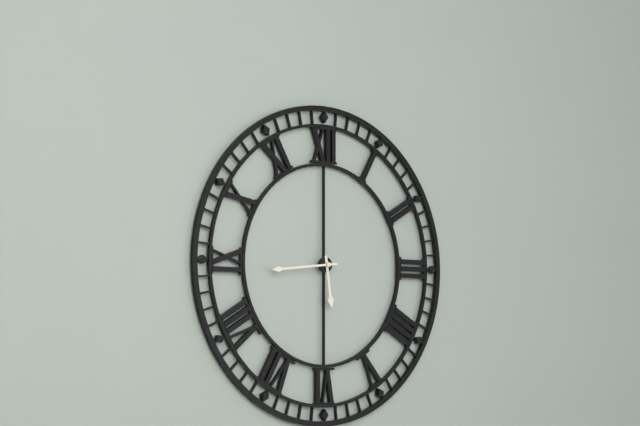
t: h=5 m=44
